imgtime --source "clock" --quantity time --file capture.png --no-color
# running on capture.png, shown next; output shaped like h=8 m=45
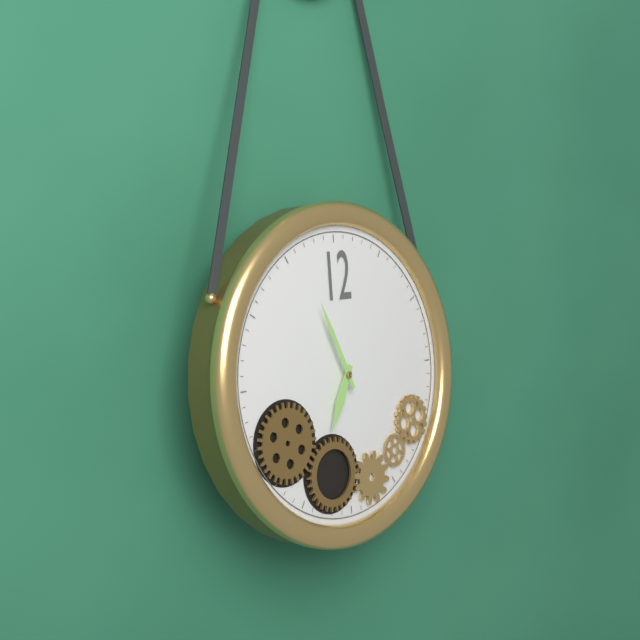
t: h=6 m=56
